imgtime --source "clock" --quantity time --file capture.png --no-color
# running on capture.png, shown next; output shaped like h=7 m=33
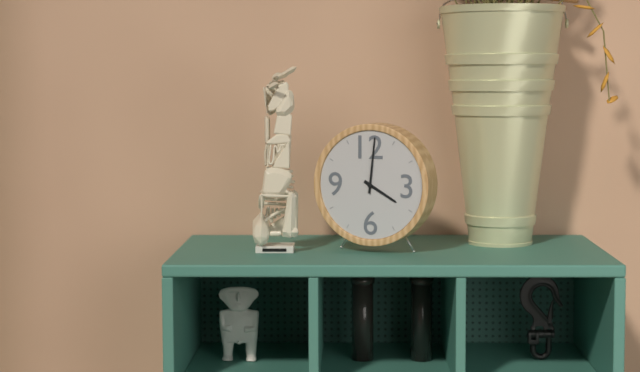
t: h=4 m=1
